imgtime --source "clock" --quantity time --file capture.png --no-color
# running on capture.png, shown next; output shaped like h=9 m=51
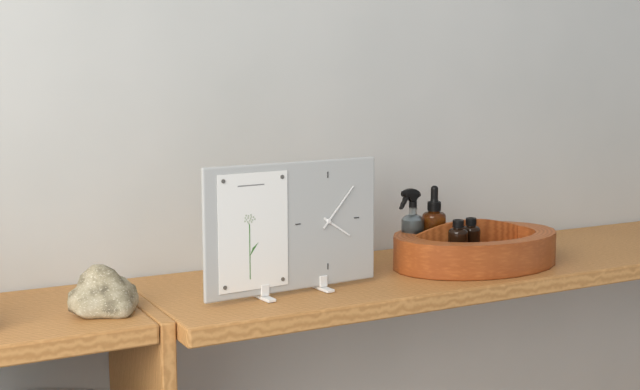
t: h=4 m=7
